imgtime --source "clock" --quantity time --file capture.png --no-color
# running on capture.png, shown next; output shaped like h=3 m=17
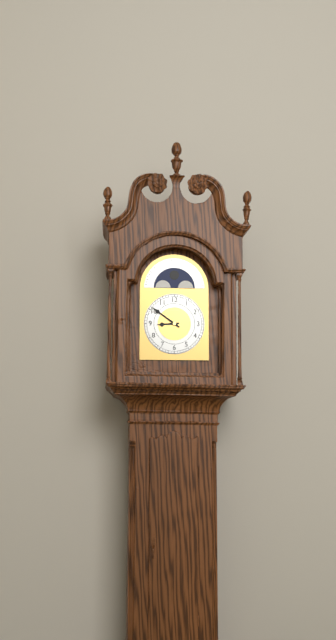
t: h=8 m=51
